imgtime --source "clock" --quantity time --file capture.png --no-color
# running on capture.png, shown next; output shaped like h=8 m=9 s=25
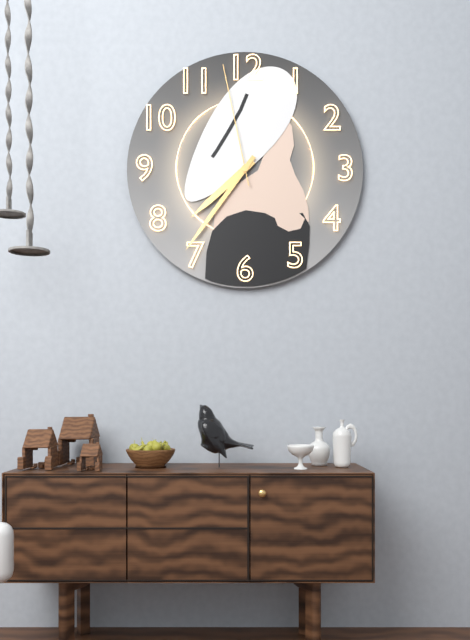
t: h=7 m=36 s=58
